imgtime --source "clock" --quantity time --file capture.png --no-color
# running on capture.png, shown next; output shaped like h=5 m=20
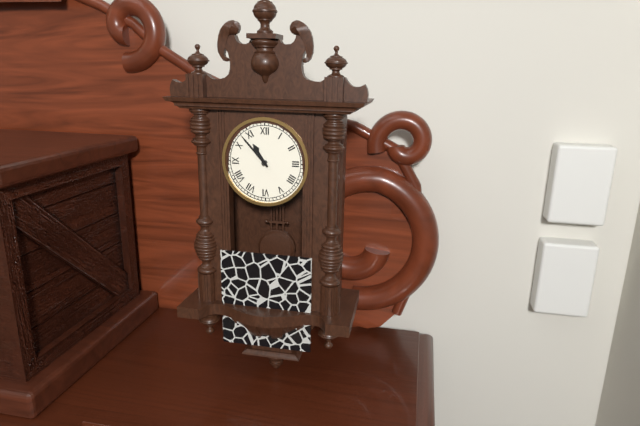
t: h=10 m=53
